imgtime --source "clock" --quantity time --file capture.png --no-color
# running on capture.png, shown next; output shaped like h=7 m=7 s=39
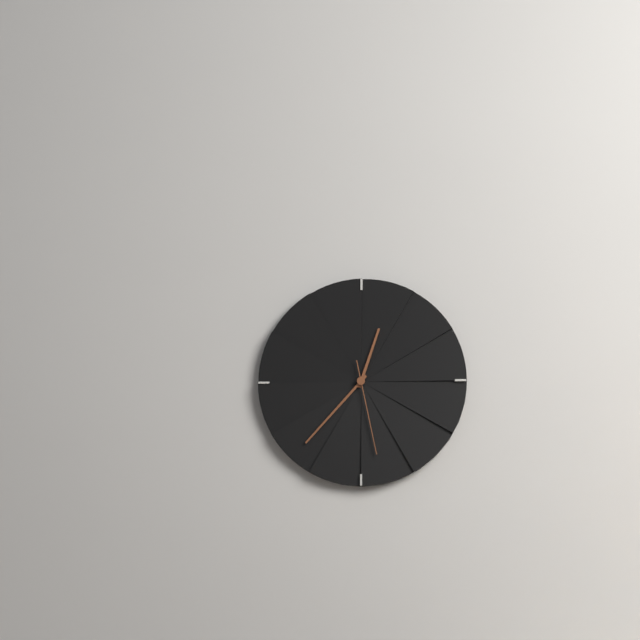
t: h=12 m=37 s=28
